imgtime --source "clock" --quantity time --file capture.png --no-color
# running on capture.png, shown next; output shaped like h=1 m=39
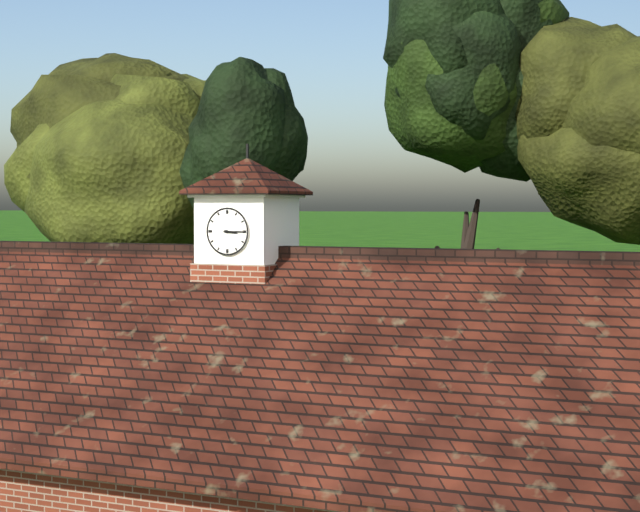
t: h=3 m=15
